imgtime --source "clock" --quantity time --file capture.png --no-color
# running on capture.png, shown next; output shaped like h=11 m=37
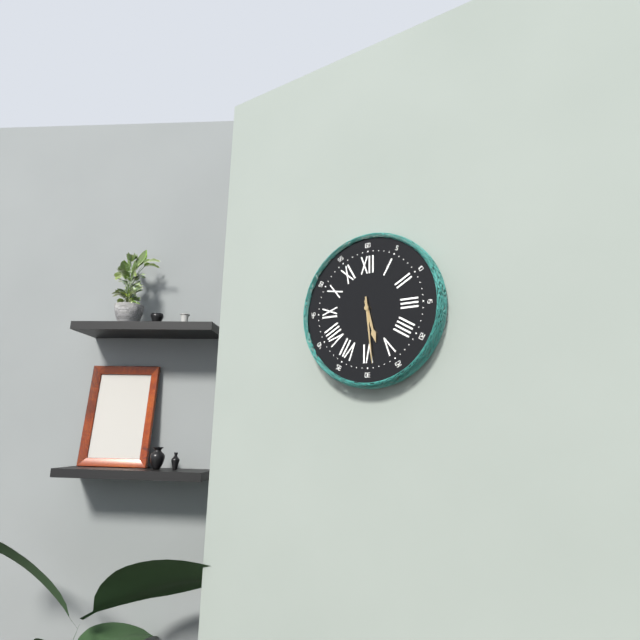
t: h=5 m=29
